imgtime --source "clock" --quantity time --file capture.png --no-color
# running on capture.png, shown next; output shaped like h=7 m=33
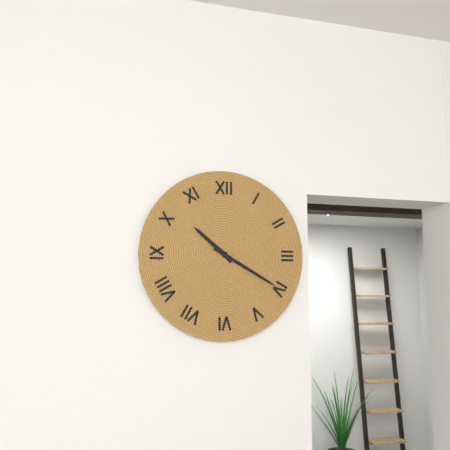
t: h=10 m=20
